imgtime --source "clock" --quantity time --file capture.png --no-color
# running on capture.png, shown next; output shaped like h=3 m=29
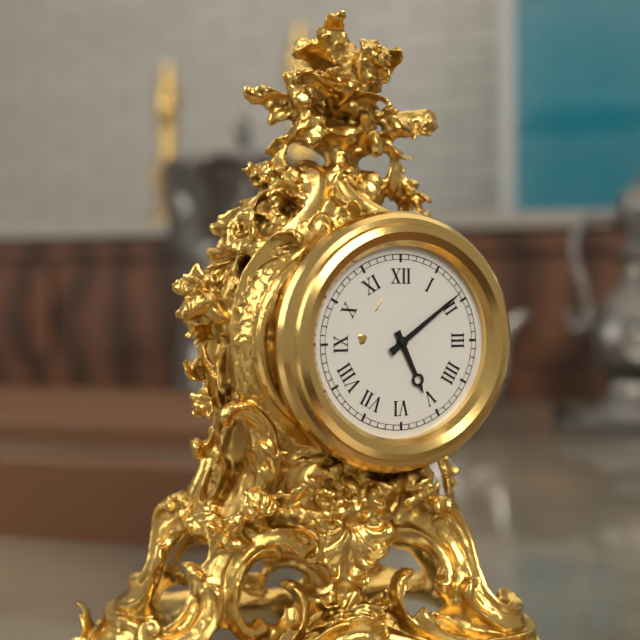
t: h=5 m=9
